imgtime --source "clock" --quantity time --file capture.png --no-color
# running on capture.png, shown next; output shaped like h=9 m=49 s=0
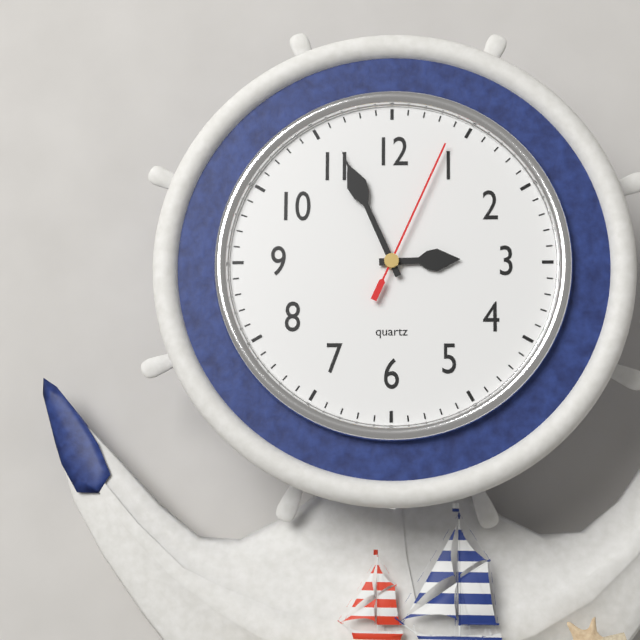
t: h=2 m=56 s=4
